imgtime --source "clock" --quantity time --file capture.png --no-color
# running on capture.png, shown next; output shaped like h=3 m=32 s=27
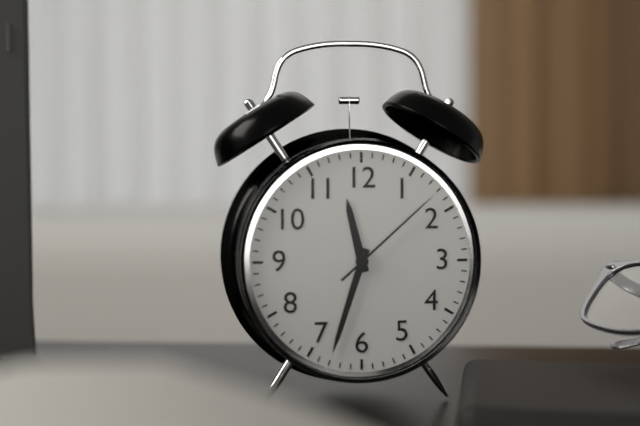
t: h=11 m=33 s=8
